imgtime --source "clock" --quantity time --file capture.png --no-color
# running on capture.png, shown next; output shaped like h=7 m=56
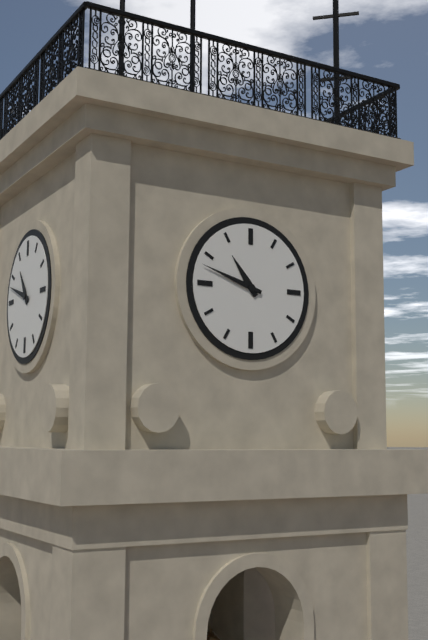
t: h=10 m=48
